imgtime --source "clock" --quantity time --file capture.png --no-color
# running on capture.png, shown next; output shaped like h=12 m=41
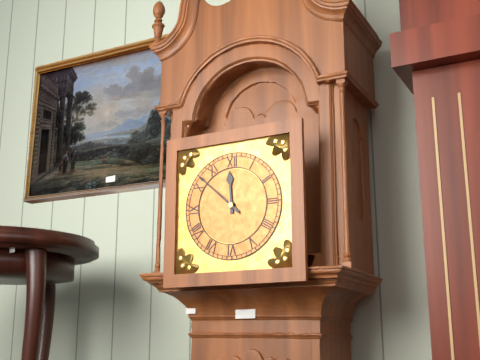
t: h=11 m=52
